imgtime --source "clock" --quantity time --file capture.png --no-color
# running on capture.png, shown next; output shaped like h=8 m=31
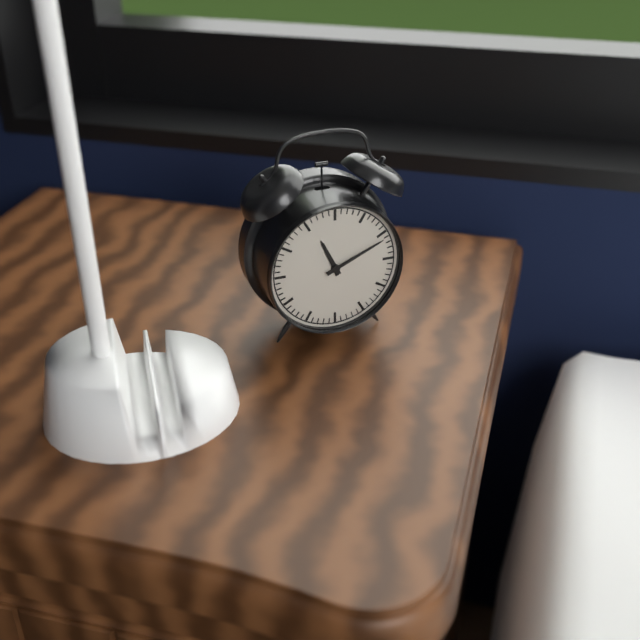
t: h=11 m=11
